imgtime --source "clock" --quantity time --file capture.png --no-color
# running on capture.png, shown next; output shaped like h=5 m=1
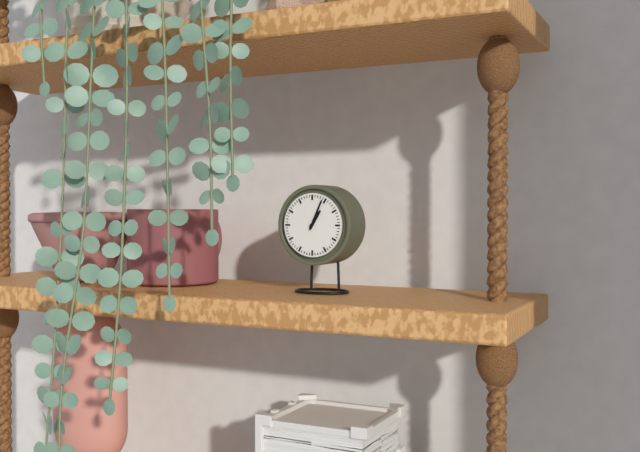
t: h=1 m=4
